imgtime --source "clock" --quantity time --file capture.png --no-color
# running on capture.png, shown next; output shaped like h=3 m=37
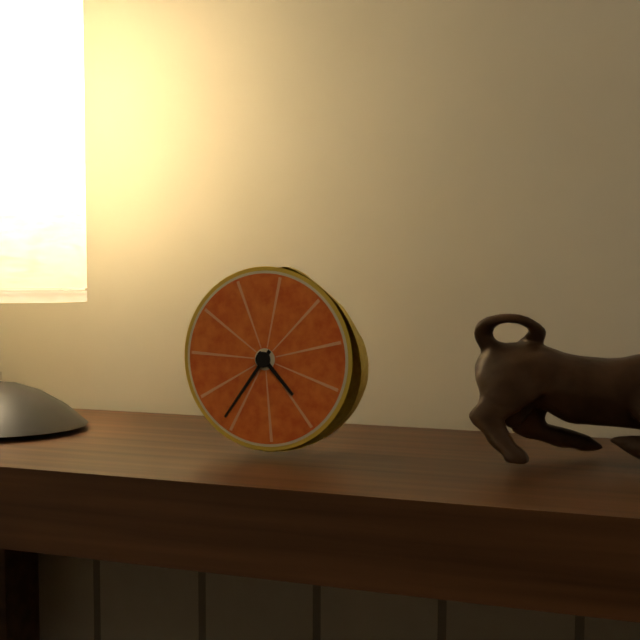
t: h=4 m=36
